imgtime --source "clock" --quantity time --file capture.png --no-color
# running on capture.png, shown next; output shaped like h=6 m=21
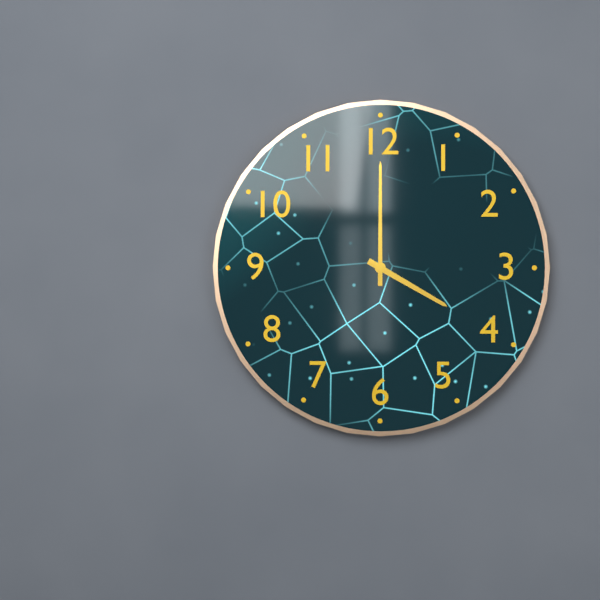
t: h=4 m=0
